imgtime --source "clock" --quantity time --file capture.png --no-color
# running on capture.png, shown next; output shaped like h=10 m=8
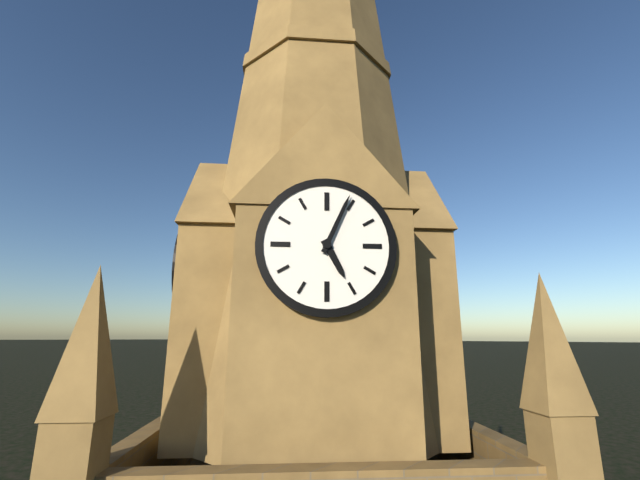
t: h=5 m=4
